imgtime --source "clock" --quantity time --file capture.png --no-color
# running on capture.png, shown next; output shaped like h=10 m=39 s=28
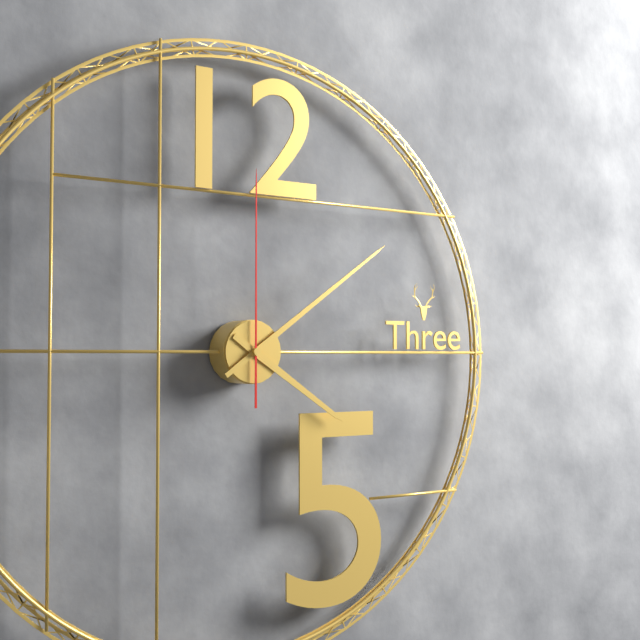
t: h=4 m=9 s=0
